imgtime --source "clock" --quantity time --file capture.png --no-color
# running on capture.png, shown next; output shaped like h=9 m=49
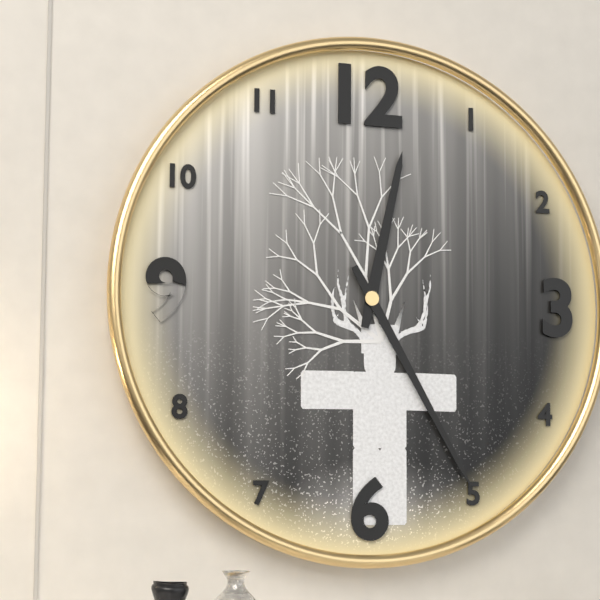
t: h=12 m=25
